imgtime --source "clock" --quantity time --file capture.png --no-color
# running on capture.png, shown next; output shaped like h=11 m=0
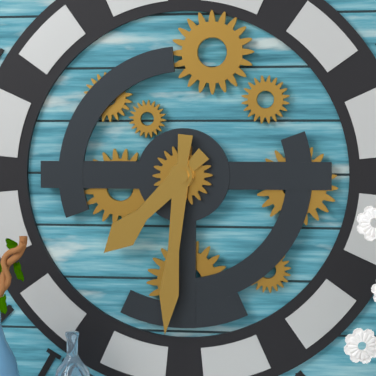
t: h=7 m=31
